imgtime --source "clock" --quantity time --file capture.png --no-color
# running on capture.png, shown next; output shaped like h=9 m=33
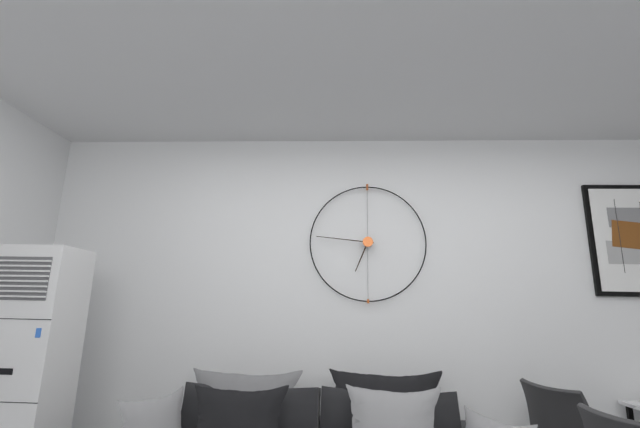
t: h=6 m=46
